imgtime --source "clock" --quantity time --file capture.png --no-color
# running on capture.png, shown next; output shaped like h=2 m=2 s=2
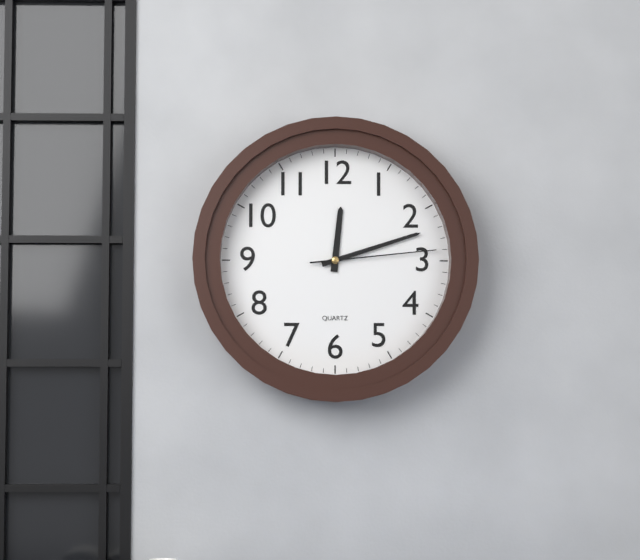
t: h=12 m=12 s=14
